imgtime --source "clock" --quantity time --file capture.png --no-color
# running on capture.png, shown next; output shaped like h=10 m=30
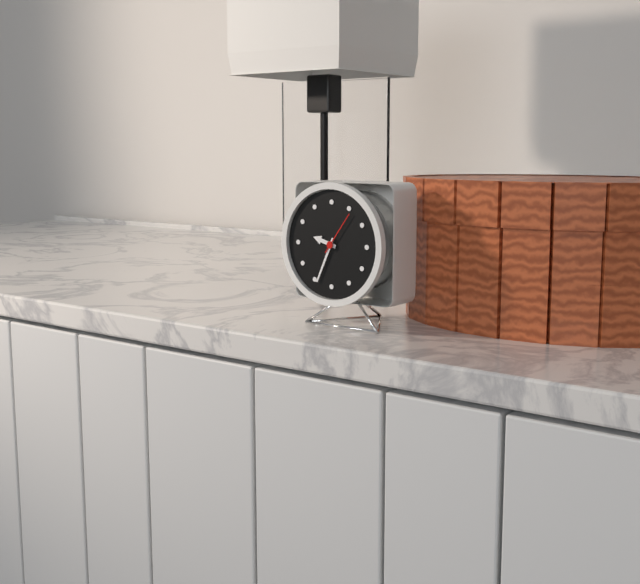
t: h=9 m=34
